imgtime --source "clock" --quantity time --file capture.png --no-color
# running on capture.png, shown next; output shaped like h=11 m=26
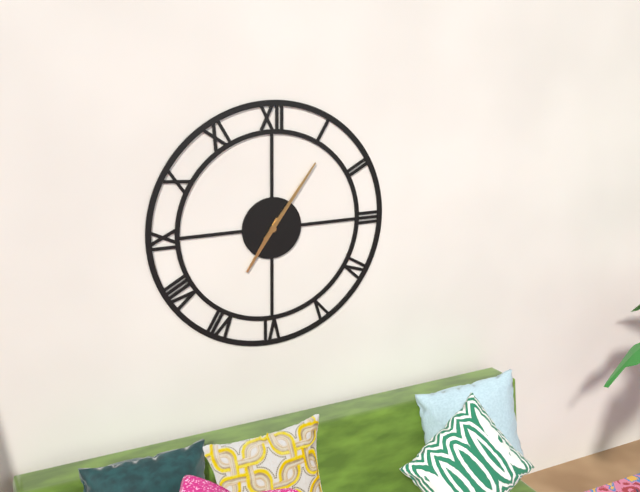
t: h=7 m=6
